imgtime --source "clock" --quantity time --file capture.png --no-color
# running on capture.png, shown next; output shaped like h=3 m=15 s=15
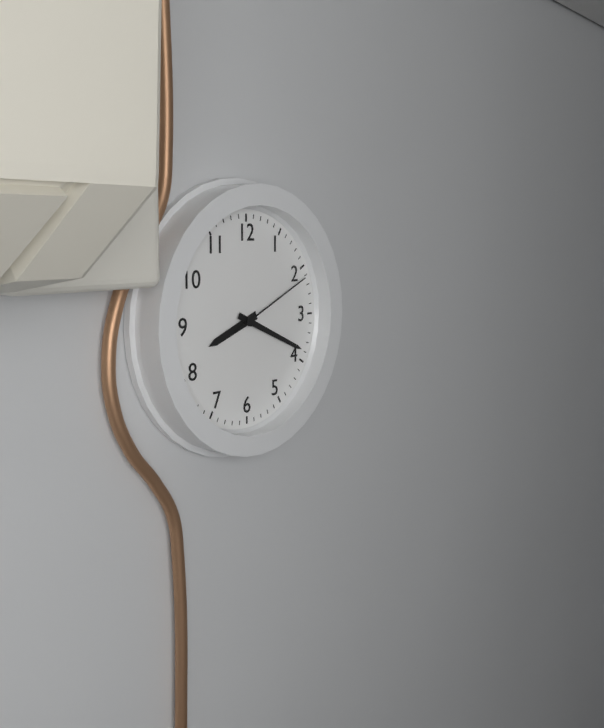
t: h=8 m=19 s=11
